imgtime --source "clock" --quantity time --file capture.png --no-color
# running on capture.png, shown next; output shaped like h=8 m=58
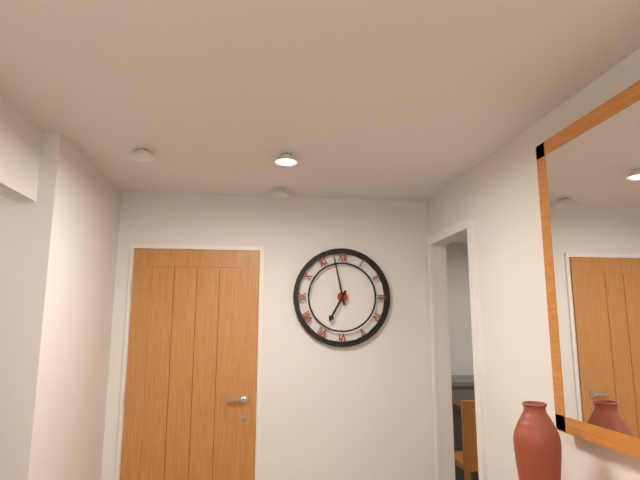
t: h=6 m=58
